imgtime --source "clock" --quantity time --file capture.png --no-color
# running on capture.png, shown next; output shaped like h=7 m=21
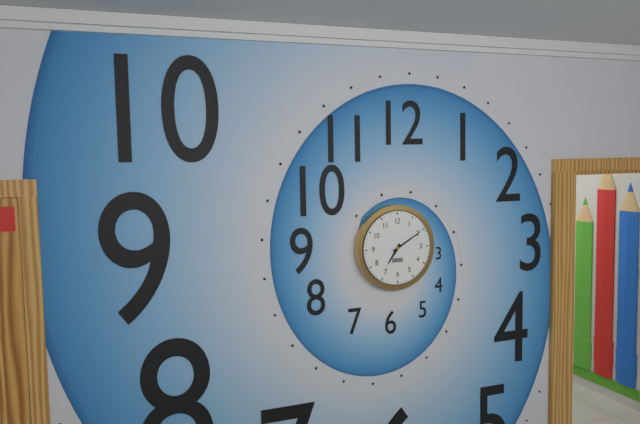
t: h=7 m=10
